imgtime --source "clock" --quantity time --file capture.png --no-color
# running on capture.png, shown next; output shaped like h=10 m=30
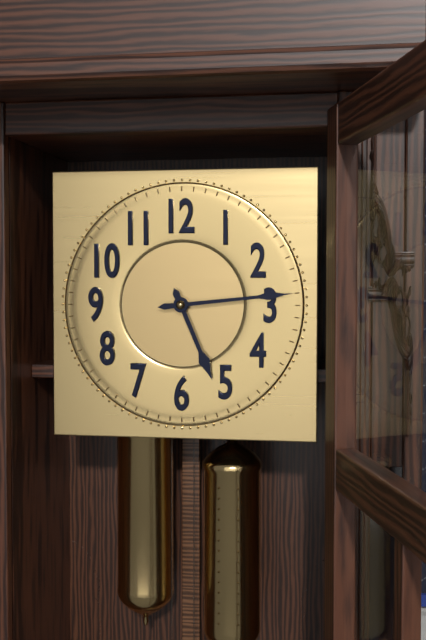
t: h=5 m=14
